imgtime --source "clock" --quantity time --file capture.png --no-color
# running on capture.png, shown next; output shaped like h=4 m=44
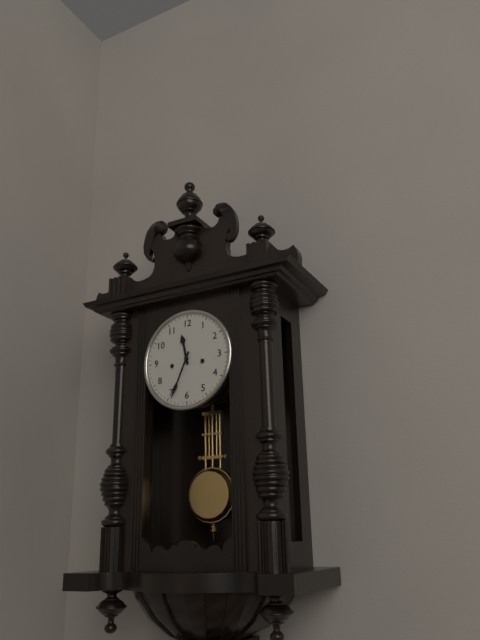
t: h=11 m=34
